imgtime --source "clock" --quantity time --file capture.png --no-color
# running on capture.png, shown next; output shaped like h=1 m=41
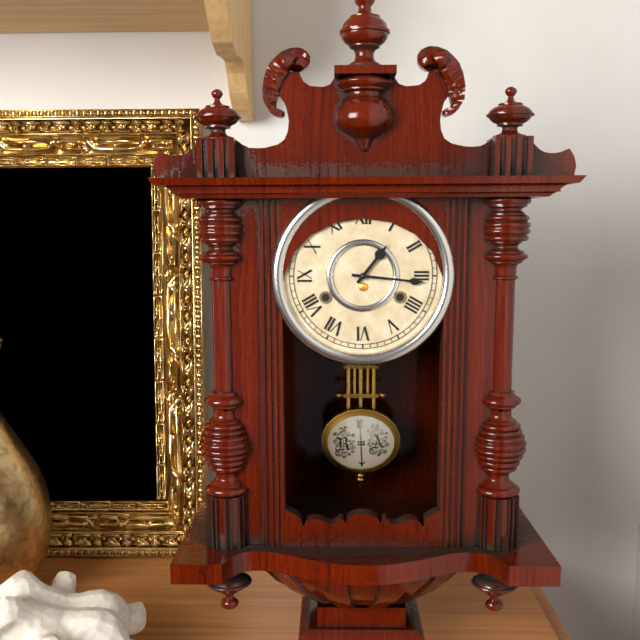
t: h=1 m=16
